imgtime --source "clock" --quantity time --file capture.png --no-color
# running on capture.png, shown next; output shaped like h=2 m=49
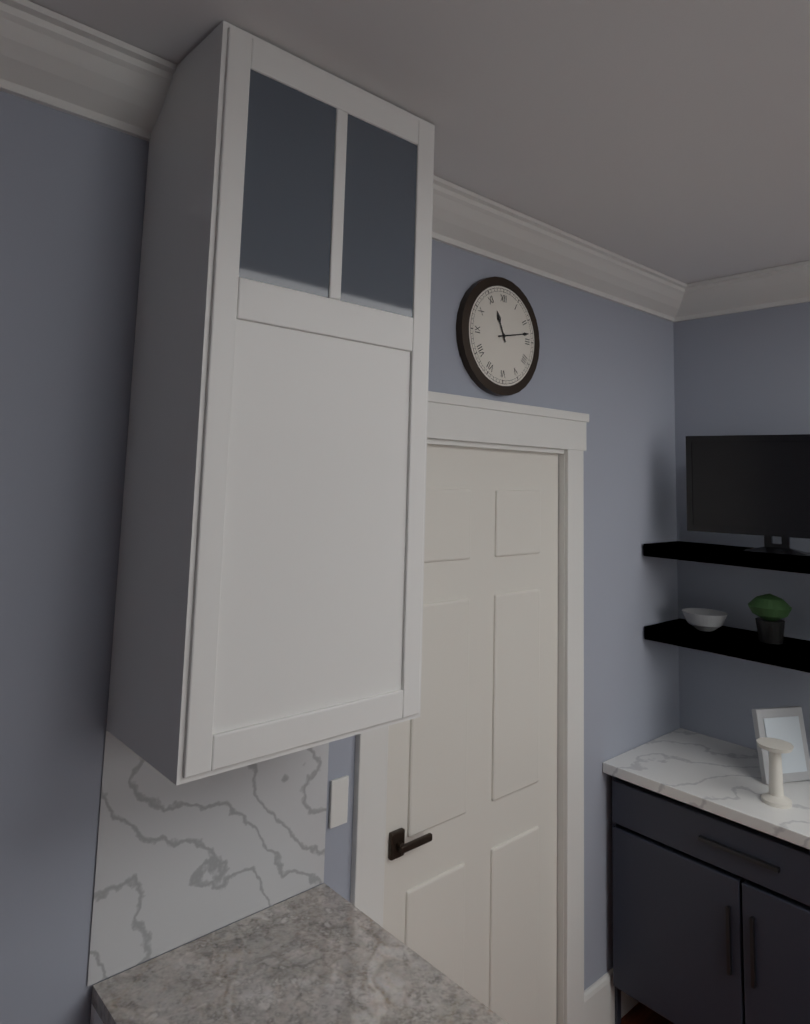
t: h=11 m=13
